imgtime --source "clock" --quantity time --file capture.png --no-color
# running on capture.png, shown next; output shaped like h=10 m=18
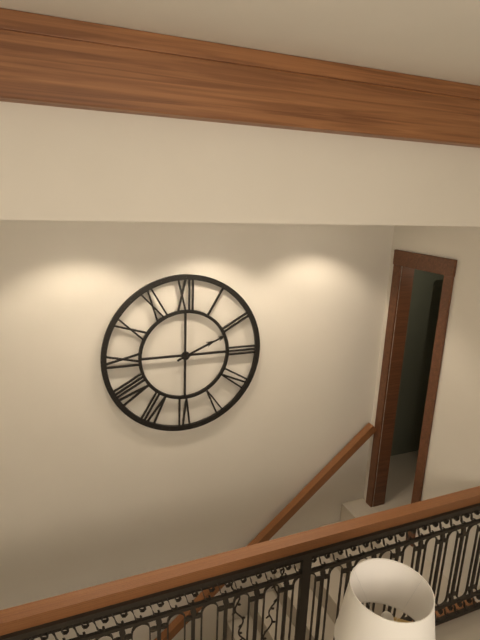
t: h=2 m=11
